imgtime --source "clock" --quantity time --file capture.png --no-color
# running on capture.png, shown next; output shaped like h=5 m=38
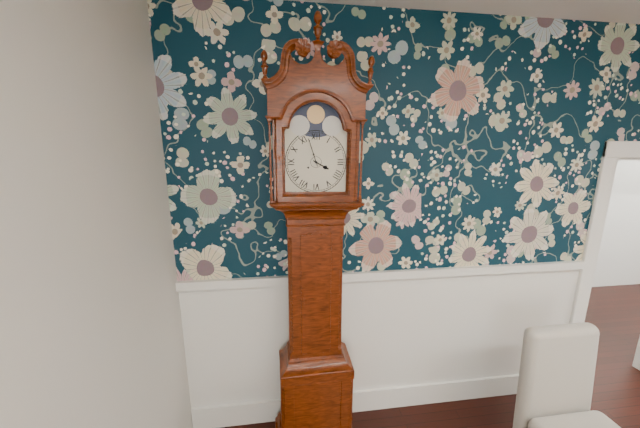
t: h=3 m=57
